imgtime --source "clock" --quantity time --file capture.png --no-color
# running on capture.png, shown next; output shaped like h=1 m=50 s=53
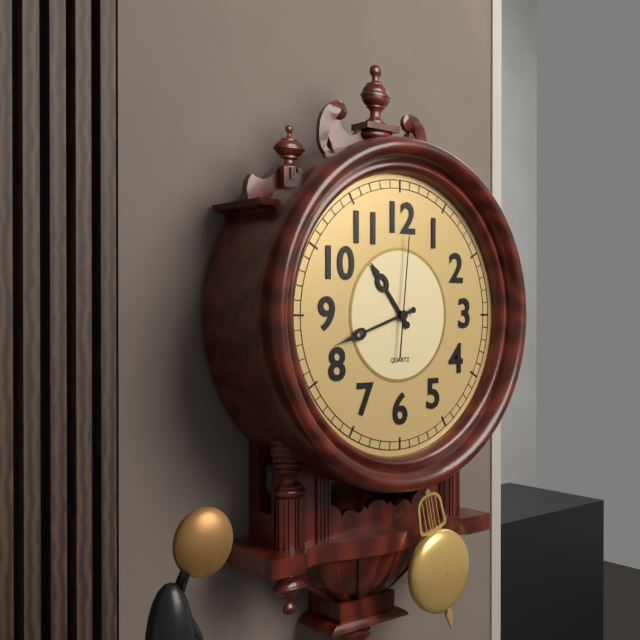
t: h=10 m=42 s=1
